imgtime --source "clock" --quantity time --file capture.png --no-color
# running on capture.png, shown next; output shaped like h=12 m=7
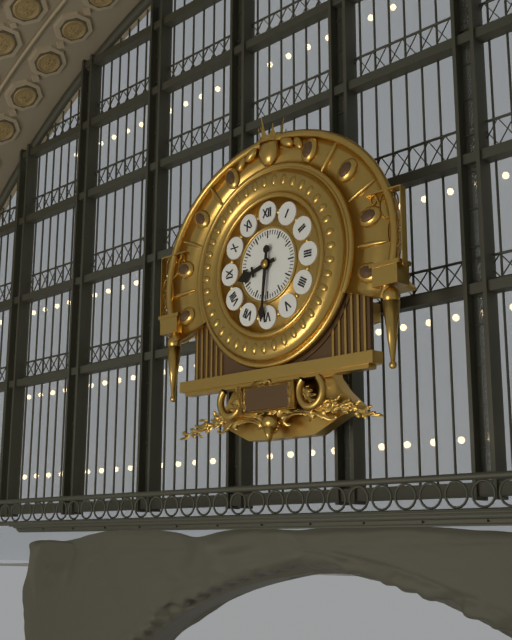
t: h=8 m=31
